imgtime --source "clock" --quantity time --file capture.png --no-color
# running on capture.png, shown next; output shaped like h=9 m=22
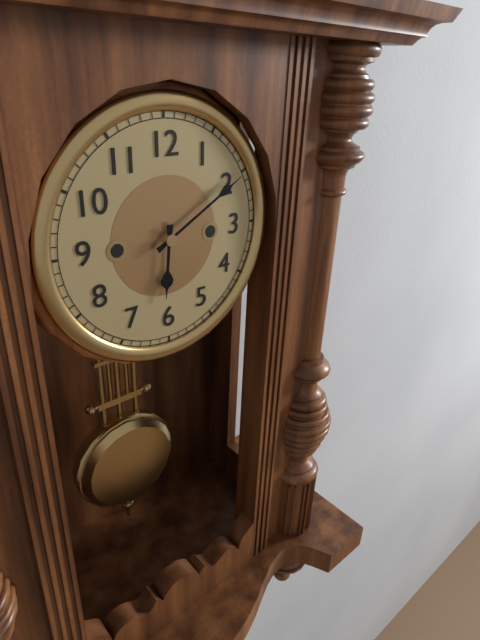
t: h=6 m=10
